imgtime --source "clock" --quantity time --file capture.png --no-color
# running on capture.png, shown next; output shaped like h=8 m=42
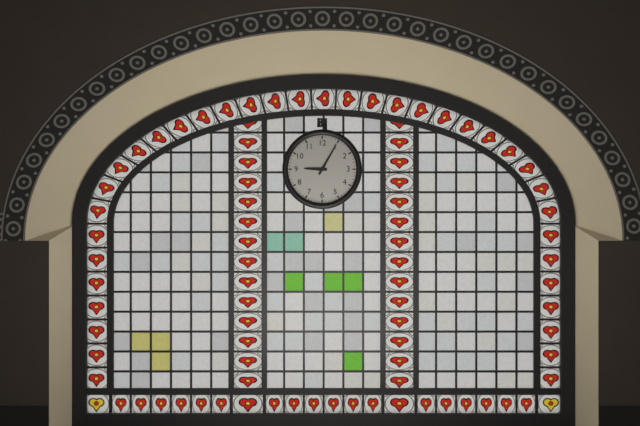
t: h=9 m=5
